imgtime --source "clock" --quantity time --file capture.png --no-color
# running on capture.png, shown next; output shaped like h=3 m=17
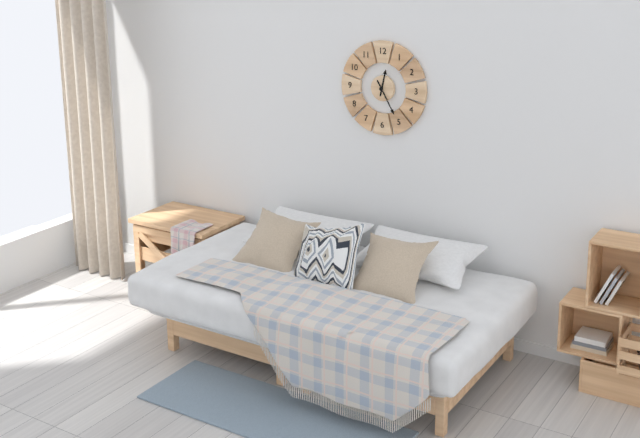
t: h=12 m=25
